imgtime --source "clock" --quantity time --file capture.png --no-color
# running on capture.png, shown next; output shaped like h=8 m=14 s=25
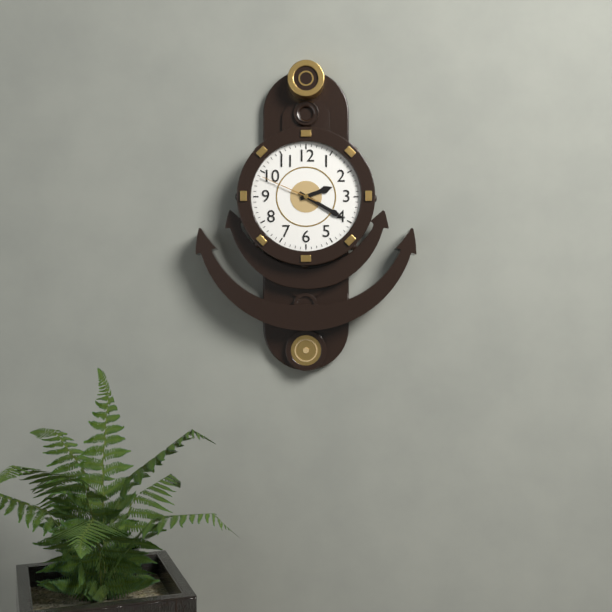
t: h=2 m=20 s=49
